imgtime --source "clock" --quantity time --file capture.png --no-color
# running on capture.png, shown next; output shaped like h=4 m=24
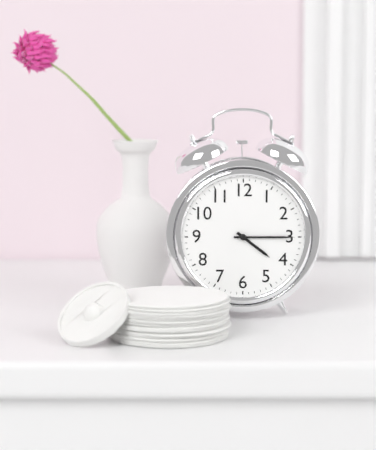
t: h=4 m=15
